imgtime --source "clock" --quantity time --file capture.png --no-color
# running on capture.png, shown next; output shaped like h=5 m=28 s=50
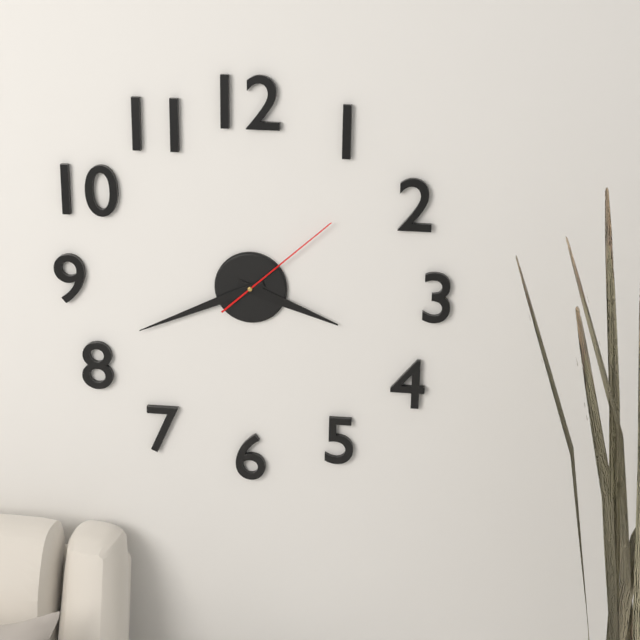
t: h=3 m=41 s=8
